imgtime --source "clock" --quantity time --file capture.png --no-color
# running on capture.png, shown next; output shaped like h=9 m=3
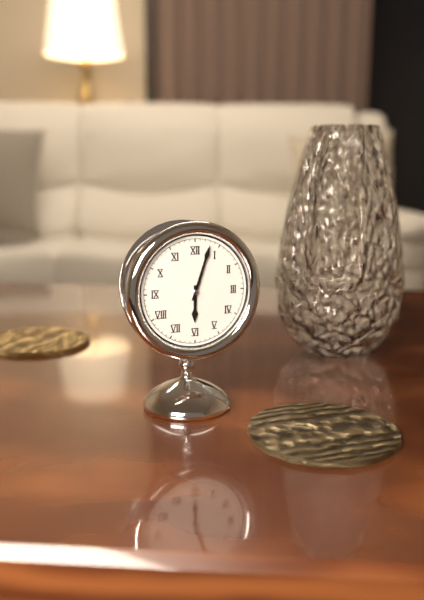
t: h=6 m=3
